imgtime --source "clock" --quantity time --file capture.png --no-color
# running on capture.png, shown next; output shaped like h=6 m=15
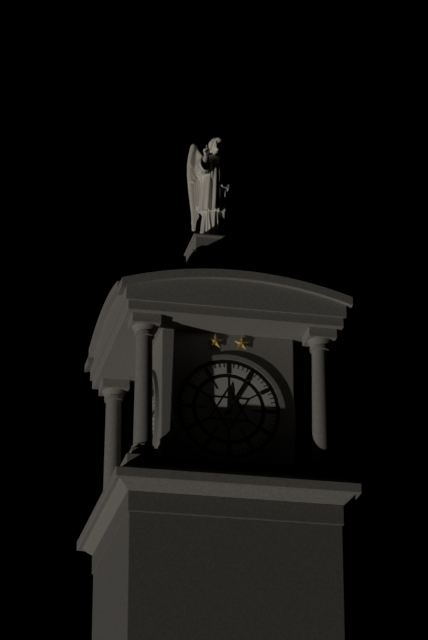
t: h=12 m=5
